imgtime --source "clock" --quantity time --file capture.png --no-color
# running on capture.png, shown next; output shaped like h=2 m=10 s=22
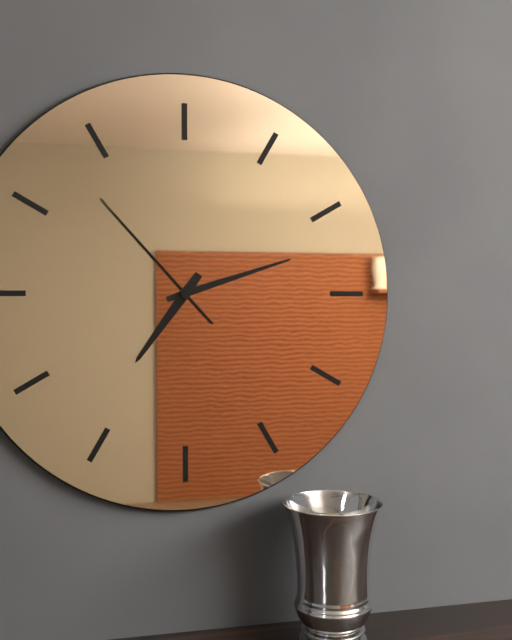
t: h=7 m=12 s=53
